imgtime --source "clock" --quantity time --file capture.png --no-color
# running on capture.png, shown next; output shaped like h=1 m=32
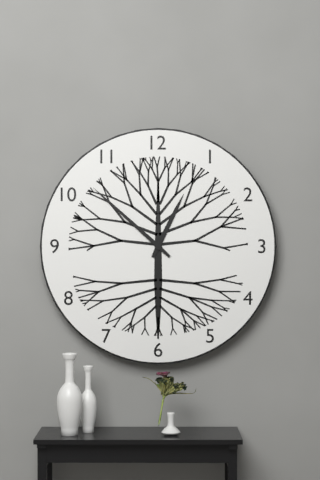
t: h=12 m=52
